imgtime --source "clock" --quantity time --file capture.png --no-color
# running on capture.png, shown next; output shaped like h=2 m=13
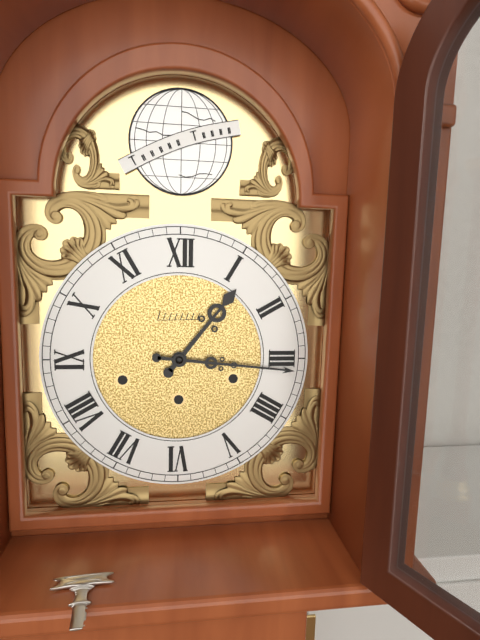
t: h=1 m=16
